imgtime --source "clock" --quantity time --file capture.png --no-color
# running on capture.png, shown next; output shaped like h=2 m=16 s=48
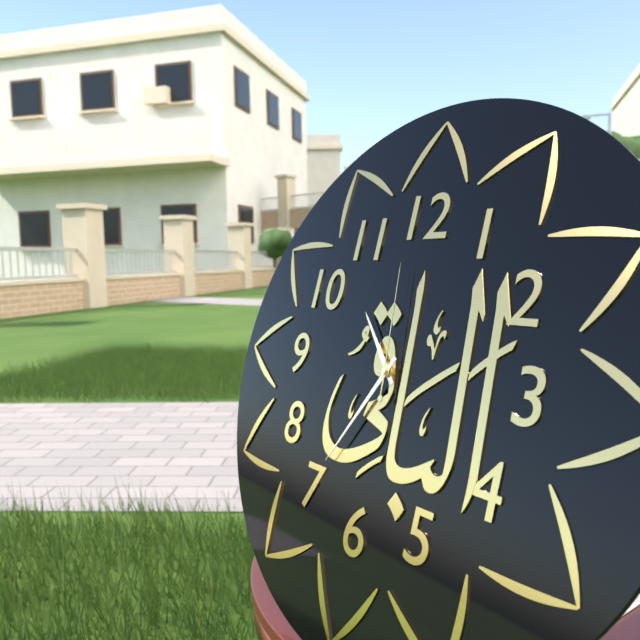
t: h=10 m=35 s=59
